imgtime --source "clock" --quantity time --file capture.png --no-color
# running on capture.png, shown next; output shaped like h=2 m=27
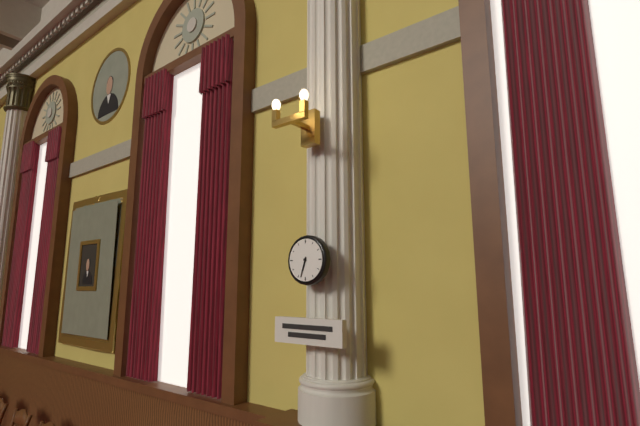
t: h=6 m=33
